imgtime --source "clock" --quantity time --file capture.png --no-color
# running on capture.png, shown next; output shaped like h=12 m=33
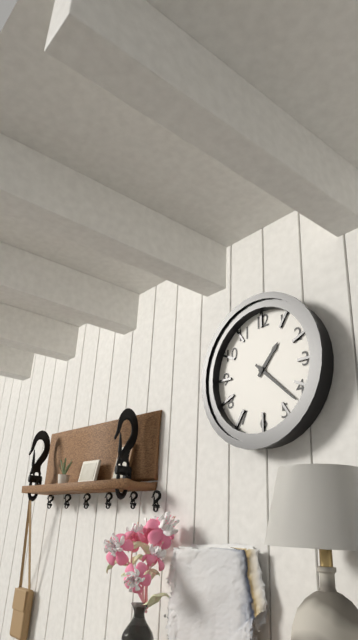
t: h=1 m=22
